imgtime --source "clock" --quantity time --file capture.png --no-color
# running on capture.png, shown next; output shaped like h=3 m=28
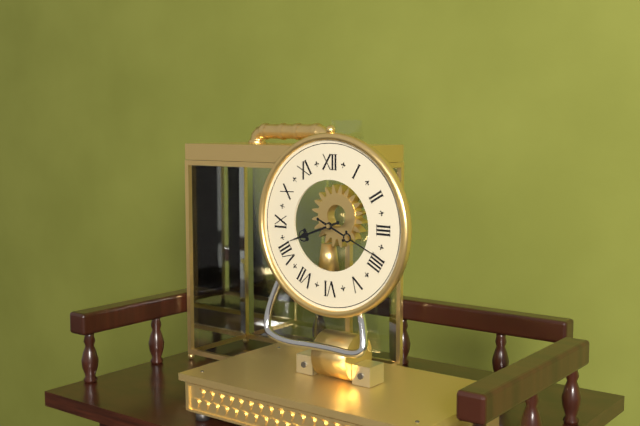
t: h=8 m=19
